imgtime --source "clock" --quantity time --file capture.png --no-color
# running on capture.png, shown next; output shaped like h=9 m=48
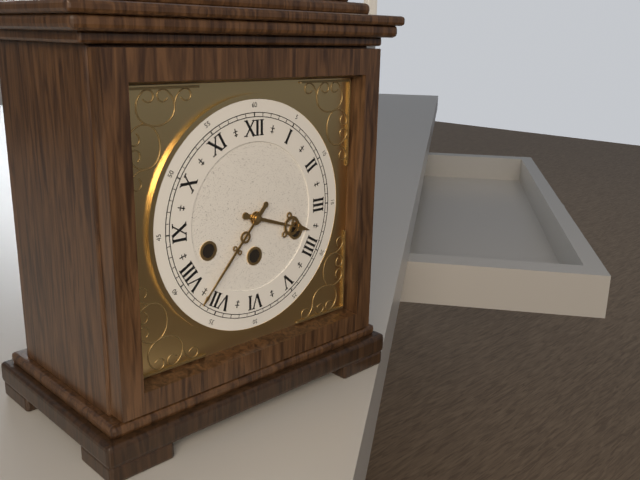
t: h=3 m=37
